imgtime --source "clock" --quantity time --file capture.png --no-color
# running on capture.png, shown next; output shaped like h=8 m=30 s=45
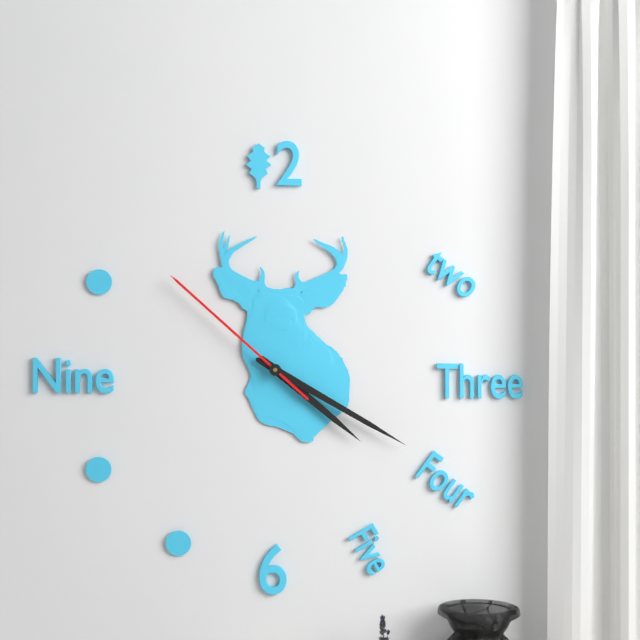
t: h=4 m=20 s=52
